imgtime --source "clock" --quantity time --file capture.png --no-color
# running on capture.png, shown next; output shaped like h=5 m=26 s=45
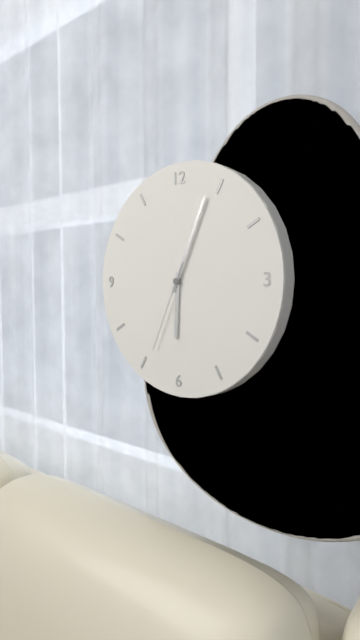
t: h=6 m=4 s=34
